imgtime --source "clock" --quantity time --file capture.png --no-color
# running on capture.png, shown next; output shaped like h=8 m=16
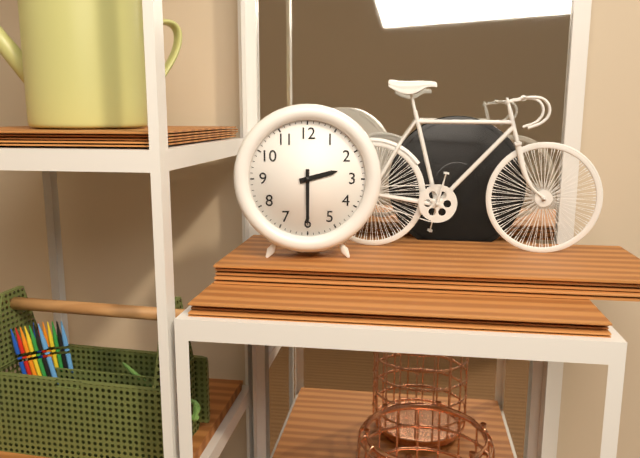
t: h=2 m=30
